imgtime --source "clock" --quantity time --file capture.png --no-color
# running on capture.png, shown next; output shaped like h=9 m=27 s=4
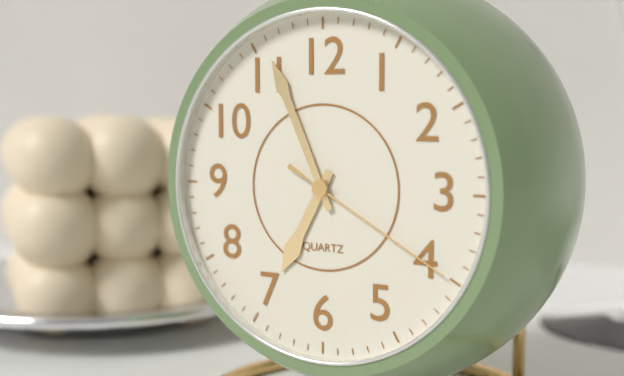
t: h=6 m=56 s=20
